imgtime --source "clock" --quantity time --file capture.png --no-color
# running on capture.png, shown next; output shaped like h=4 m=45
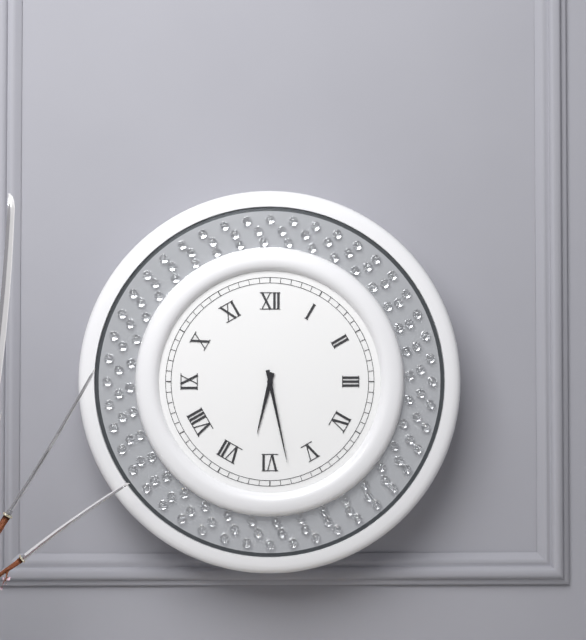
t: h=6 m=28
